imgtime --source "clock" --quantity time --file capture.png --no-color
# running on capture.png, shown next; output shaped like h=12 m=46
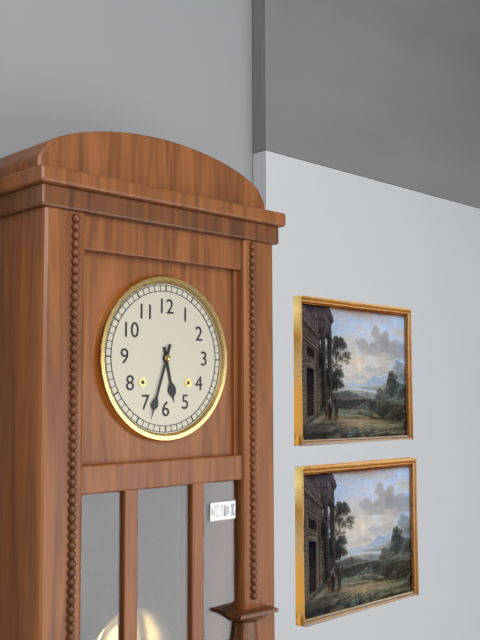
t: h=5 m=33
